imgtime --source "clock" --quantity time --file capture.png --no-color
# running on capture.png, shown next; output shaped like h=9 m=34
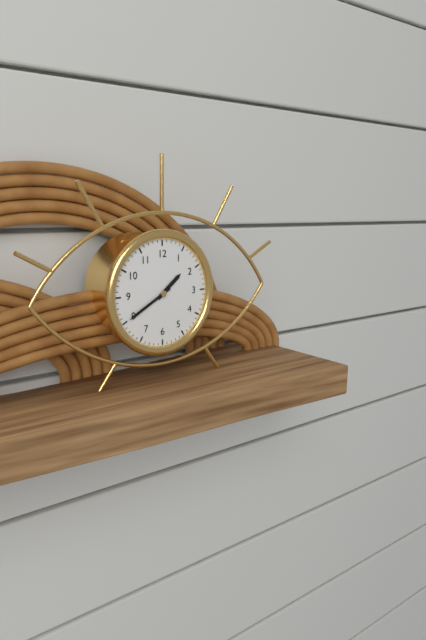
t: h=1 m=40
